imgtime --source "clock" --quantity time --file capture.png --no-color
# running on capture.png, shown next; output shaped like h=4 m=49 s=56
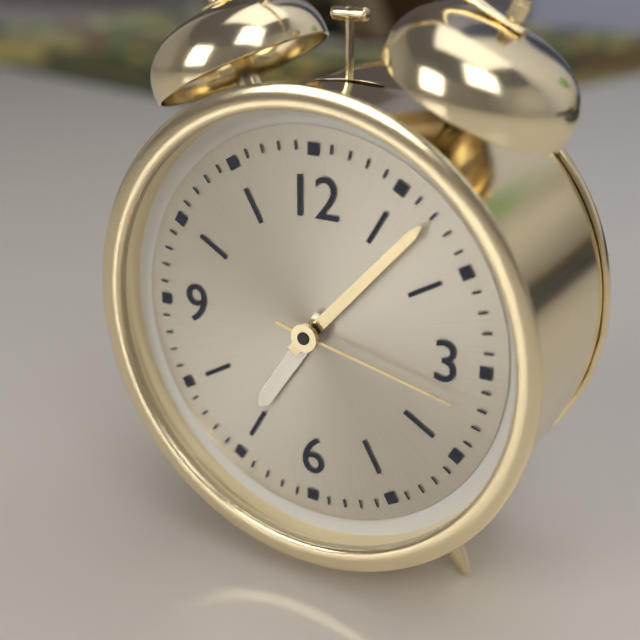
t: h=7 m=7 s=17
